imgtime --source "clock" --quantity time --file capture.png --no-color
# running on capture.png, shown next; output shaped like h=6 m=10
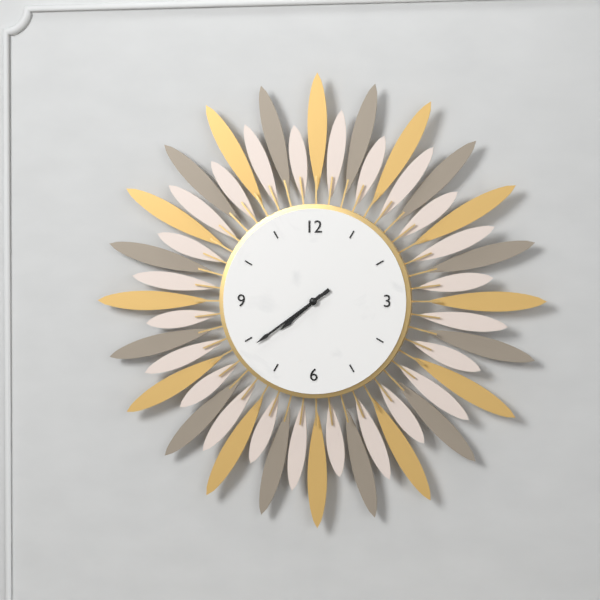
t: h=7 m=39
